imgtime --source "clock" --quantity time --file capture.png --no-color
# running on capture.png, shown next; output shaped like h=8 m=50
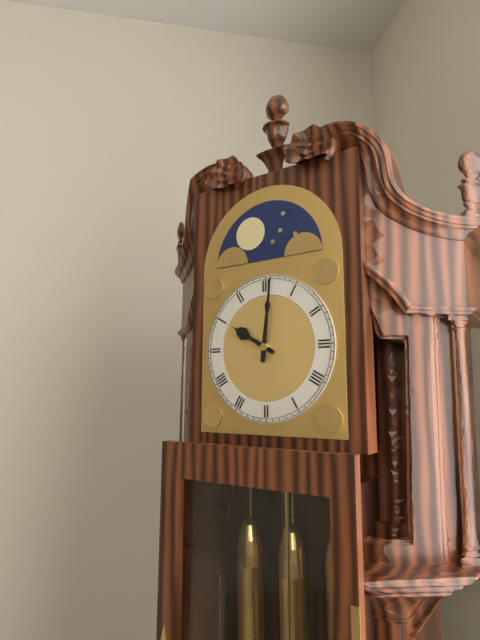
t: h=10 m=1
